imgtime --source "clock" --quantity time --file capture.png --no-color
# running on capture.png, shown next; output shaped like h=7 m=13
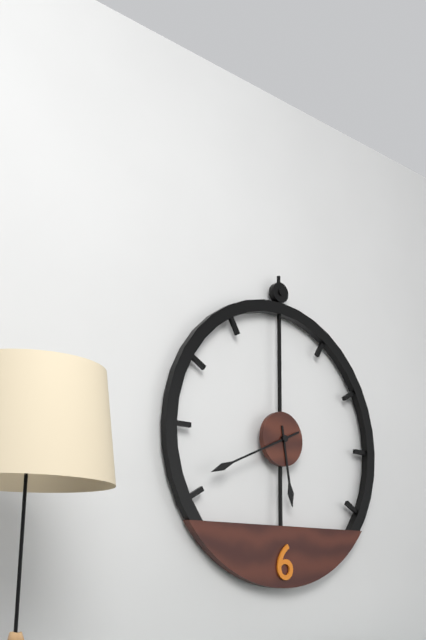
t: h=5 m=41
